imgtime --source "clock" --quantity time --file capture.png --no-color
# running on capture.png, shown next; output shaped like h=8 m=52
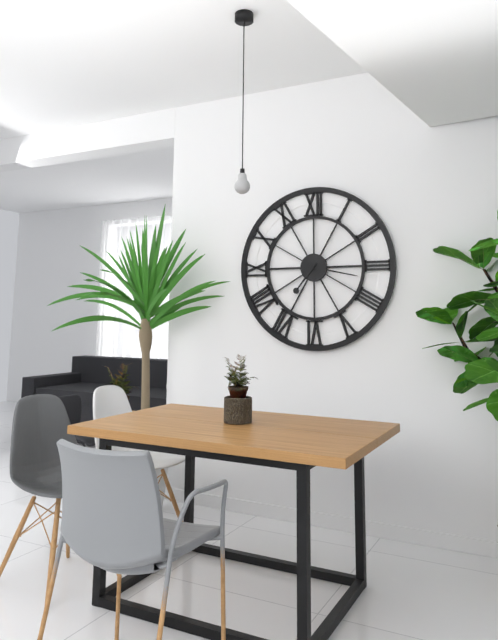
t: h=7 m=17
